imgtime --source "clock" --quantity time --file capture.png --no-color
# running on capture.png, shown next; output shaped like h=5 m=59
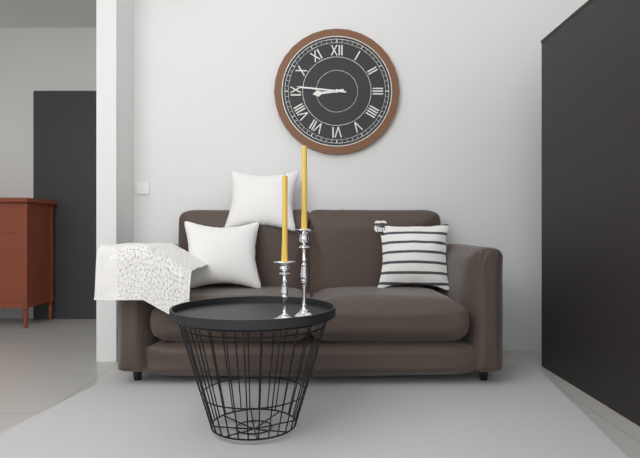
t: h=8 m=46
